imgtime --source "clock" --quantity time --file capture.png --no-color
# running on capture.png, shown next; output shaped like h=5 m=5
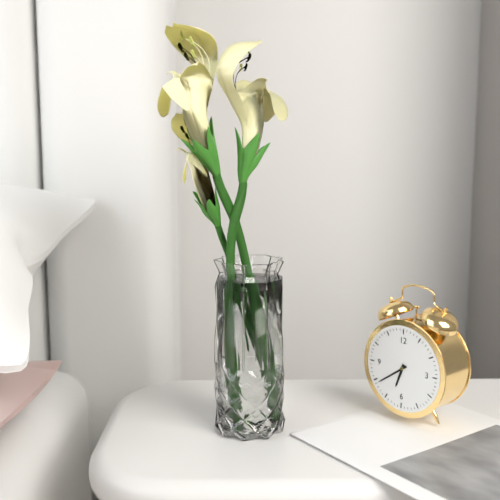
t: h=6 m=39
